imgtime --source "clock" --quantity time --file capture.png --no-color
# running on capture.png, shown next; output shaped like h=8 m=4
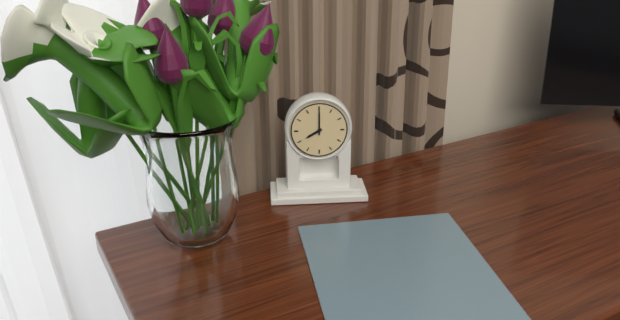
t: h=8 m=0
